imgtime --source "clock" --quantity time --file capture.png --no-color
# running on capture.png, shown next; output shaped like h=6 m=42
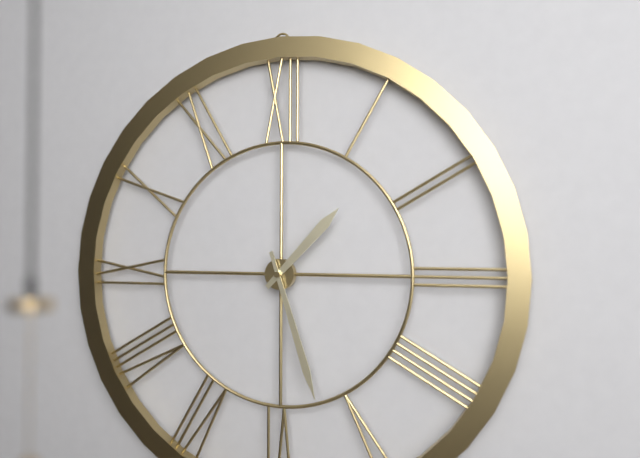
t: h=1 m=27
